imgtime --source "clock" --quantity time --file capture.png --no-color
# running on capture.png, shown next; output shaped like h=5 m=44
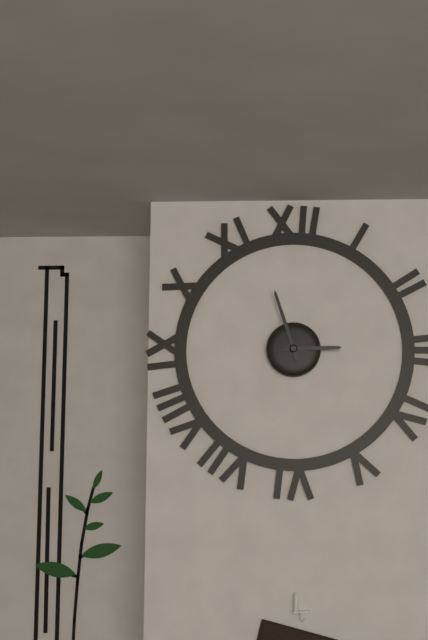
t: h=2 m=57
